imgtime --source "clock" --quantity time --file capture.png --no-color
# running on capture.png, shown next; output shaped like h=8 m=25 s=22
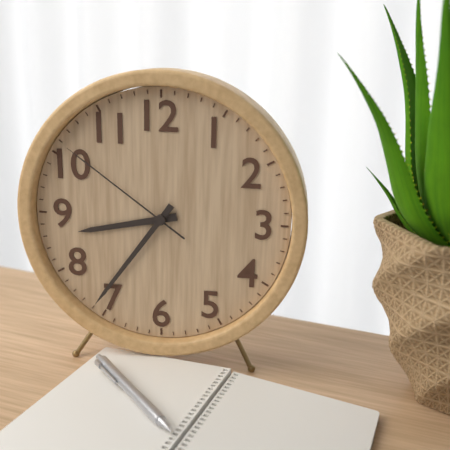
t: h=8 m=36 s=51
